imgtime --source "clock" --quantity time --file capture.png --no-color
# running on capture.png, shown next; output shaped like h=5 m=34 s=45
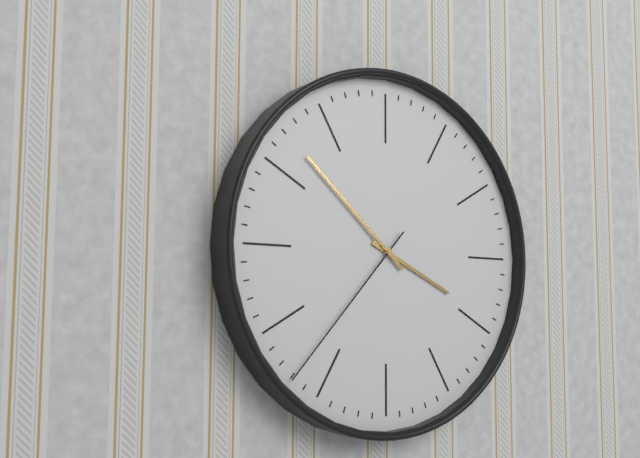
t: h=3 m=52 s=37
